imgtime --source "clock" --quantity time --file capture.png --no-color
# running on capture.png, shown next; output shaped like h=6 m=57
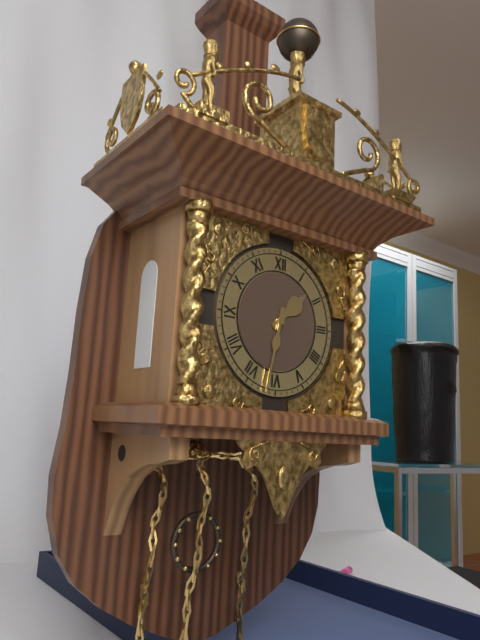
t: h=1 m=32
